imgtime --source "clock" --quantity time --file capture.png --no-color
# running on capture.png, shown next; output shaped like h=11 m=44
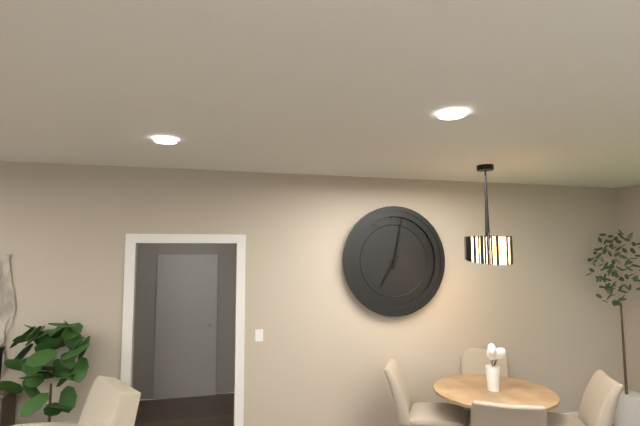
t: h=7 m=2
